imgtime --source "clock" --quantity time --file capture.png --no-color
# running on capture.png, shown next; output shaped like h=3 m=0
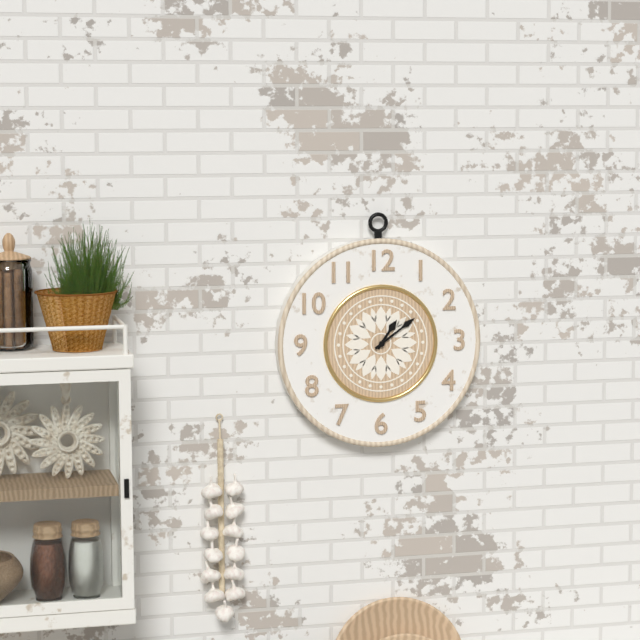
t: h=1 m=9
